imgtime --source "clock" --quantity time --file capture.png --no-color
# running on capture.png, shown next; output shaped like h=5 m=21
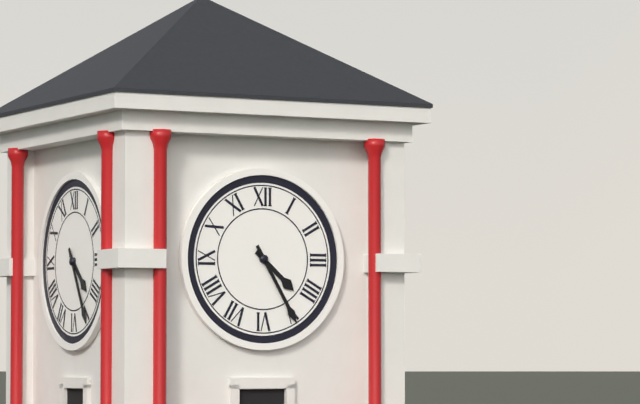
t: h=4 m=25
